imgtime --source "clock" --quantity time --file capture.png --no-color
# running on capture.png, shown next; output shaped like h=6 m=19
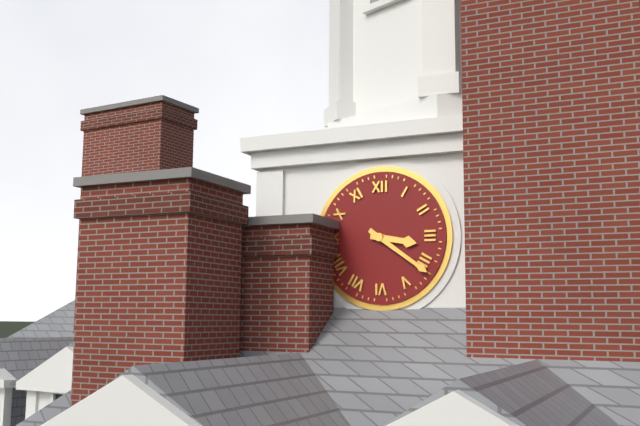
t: h=3 m=21
